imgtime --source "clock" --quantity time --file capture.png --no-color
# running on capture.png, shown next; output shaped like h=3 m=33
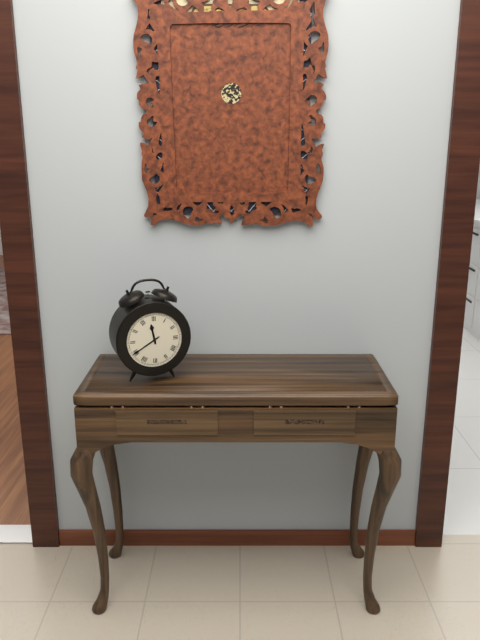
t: h=11 m=40
